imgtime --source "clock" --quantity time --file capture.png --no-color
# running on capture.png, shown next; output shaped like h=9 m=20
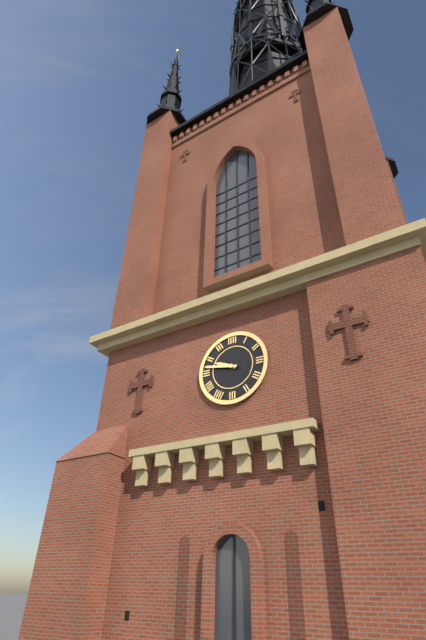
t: h=9 m=47
